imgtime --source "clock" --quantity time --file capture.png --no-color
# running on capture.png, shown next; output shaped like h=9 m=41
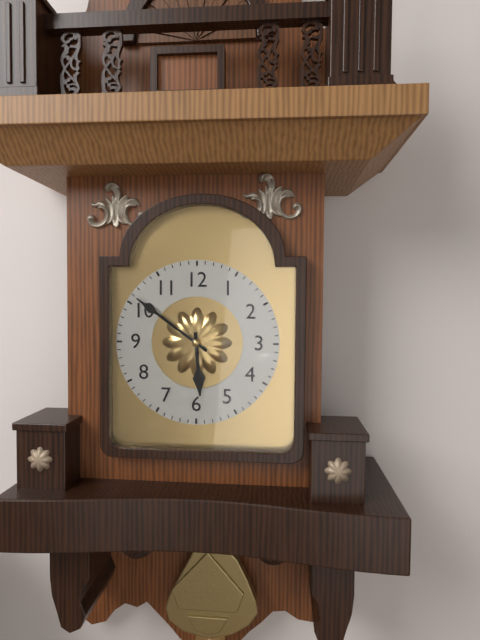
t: h=5 m=51
